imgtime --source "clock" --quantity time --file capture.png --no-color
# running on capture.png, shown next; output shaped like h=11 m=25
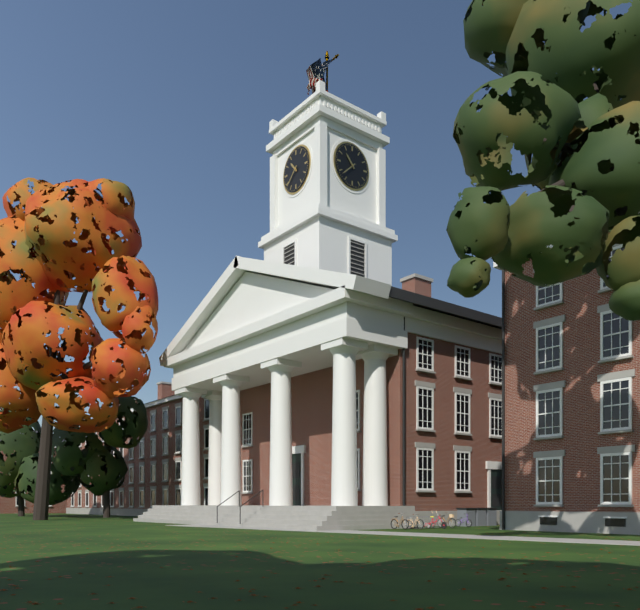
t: h=10 m=38
